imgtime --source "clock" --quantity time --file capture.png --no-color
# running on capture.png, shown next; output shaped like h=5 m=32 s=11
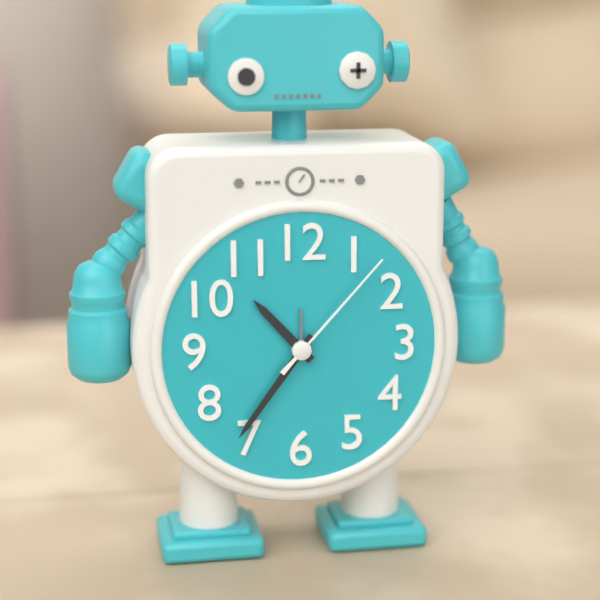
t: h=10 m=36 s=7
